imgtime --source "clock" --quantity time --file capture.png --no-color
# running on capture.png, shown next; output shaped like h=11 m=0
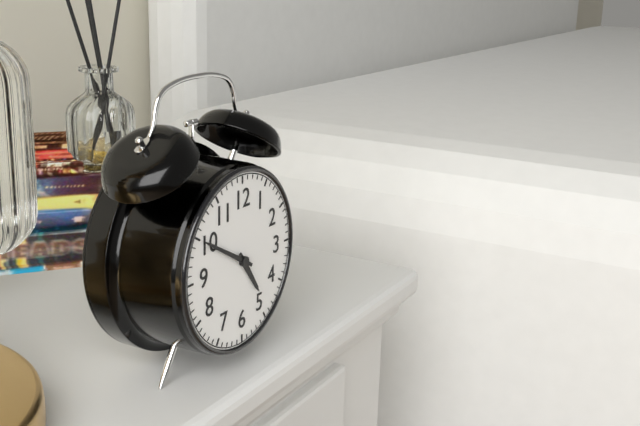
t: h=4 m=50
